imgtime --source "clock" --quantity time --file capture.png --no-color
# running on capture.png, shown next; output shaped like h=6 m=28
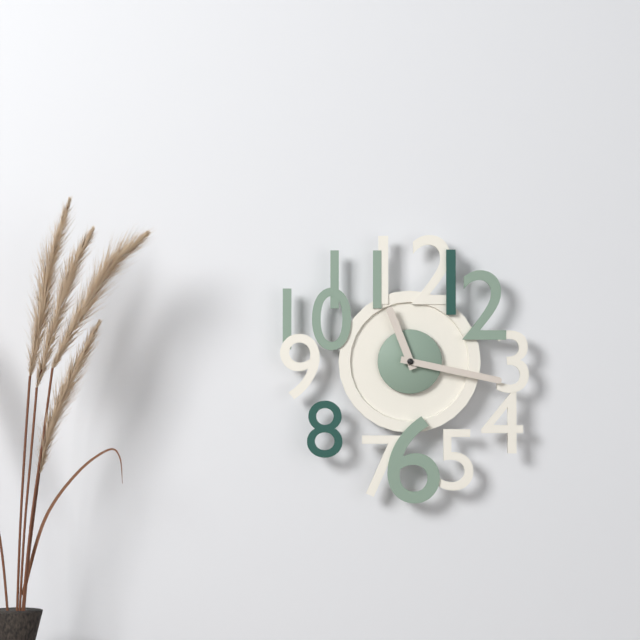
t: h=11 m=17
